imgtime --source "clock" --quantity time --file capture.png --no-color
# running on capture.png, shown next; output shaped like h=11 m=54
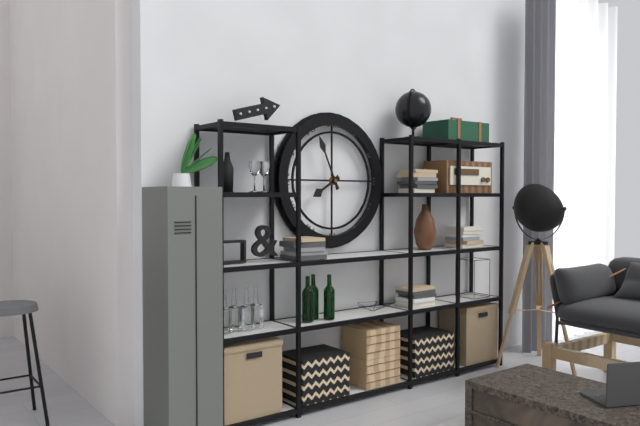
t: h=7 m=56
